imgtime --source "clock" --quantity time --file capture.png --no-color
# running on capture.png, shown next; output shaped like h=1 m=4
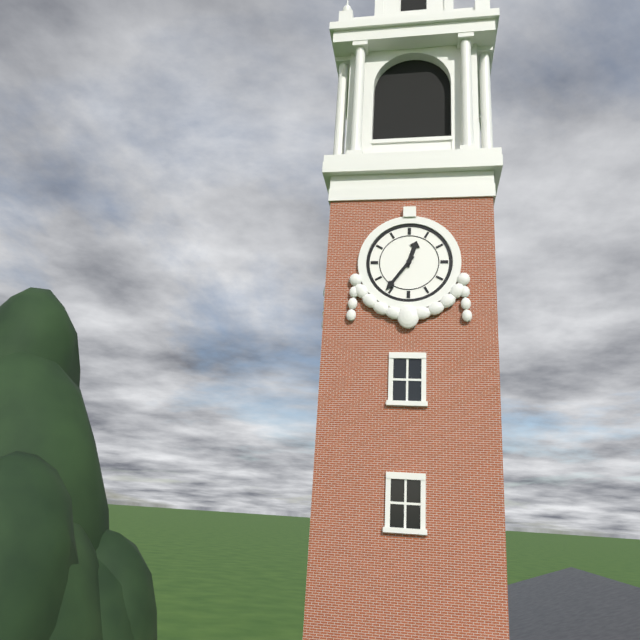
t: h=12 m=36
